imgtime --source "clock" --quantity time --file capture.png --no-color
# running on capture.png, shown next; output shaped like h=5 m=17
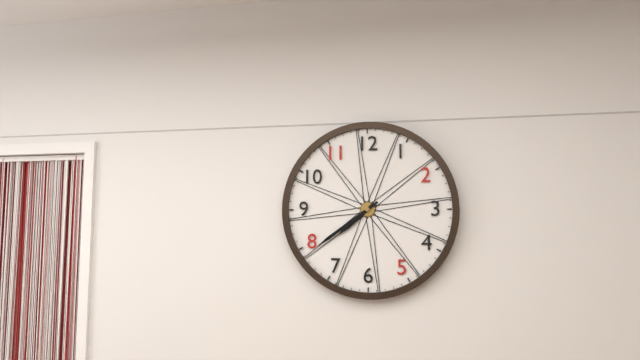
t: h=7 m=39
